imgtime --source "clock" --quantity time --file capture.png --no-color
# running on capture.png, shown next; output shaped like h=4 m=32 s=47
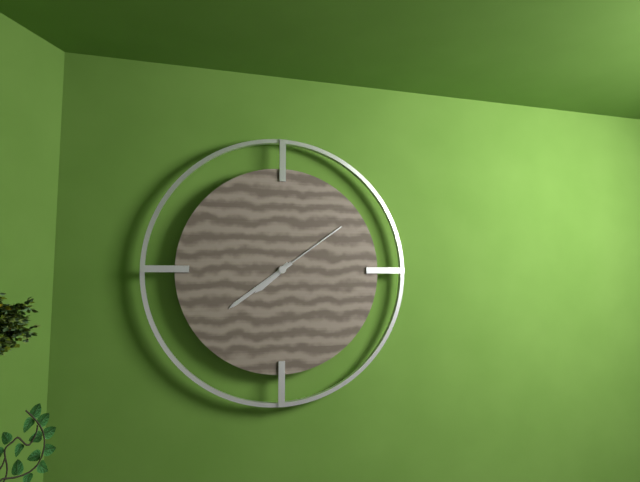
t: h=7 m=39 s=9
